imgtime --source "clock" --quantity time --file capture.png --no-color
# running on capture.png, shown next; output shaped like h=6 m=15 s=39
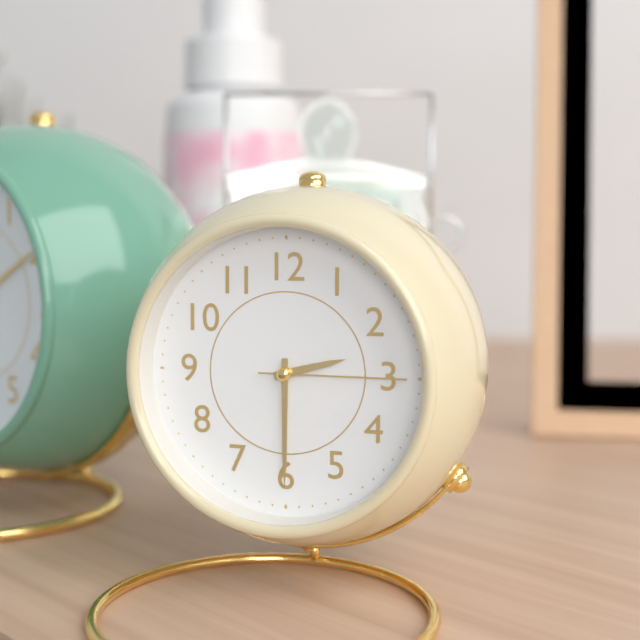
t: h=2 m=30 s=15
